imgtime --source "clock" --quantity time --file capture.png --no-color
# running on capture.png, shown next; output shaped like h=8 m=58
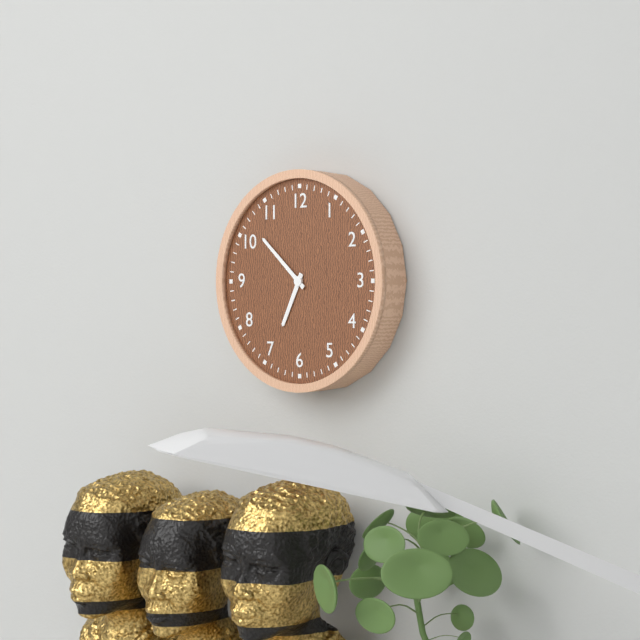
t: h=6 m=52
